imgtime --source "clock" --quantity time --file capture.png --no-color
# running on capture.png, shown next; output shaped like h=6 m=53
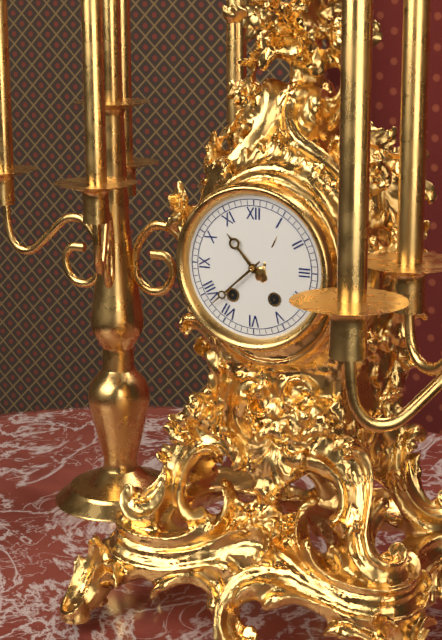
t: h=10 m=38
